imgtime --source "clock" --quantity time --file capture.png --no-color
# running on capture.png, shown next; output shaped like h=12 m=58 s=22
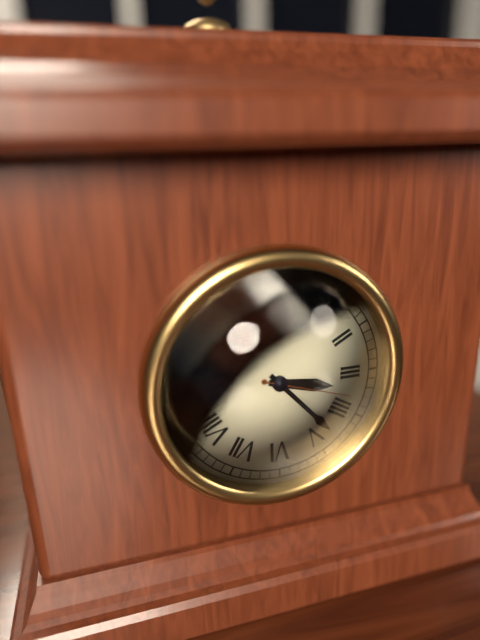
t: h=3 m=23 s=18
